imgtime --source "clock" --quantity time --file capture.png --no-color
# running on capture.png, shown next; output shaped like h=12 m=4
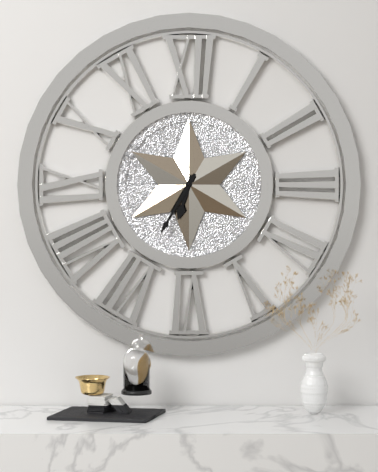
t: h=6 m=35
